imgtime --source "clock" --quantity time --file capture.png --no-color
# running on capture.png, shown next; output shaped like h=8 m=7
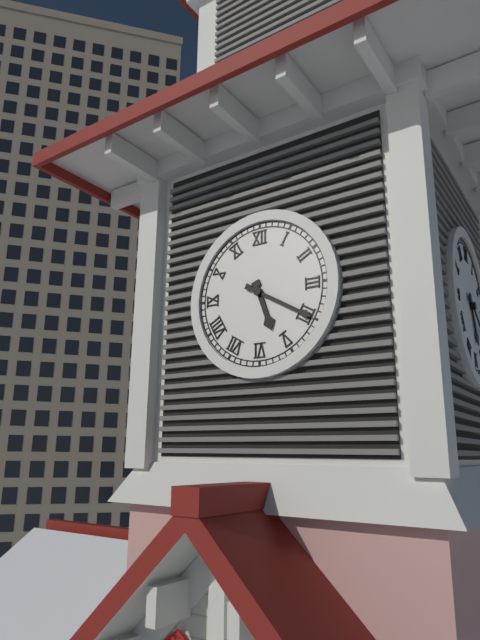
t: h=5 m=20
